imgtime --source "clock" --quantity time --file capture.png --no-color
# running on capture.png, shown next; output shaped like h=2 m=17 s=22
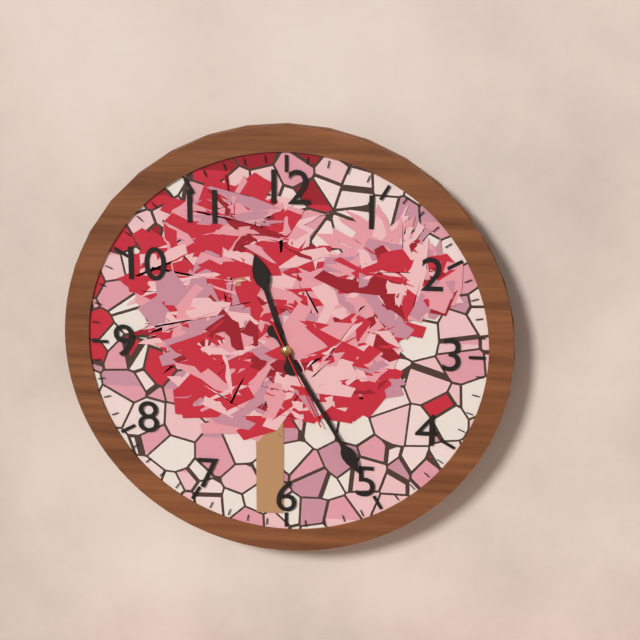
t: h=11 m=25 s=26
